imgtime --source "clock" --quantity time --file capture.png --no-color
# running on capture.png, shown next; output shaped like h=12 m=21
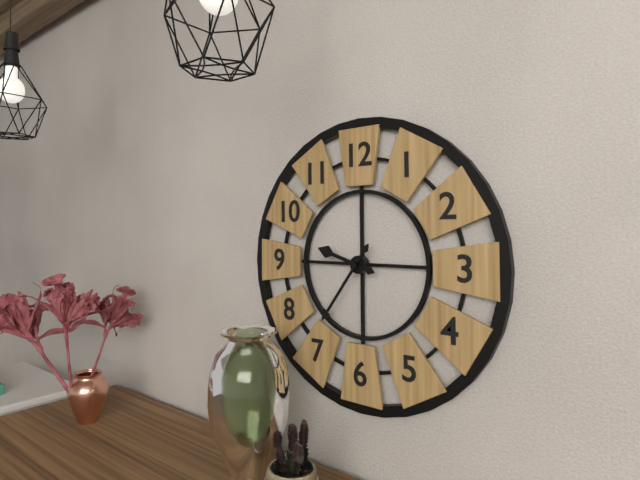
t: h=9 m=36
